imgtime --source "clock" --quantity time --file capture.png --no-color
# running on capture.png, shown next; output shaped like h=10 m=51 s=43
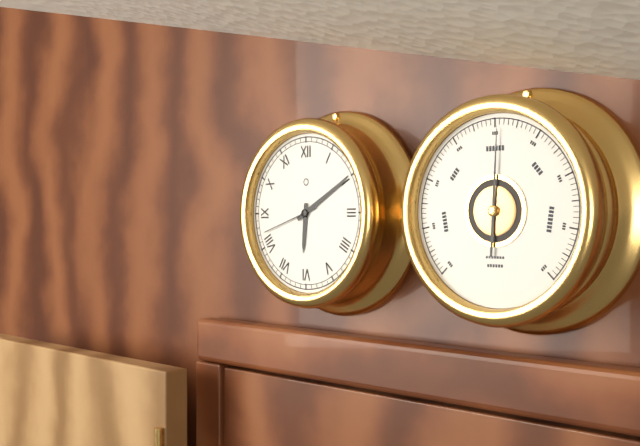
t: h=6 m=10 s=42
